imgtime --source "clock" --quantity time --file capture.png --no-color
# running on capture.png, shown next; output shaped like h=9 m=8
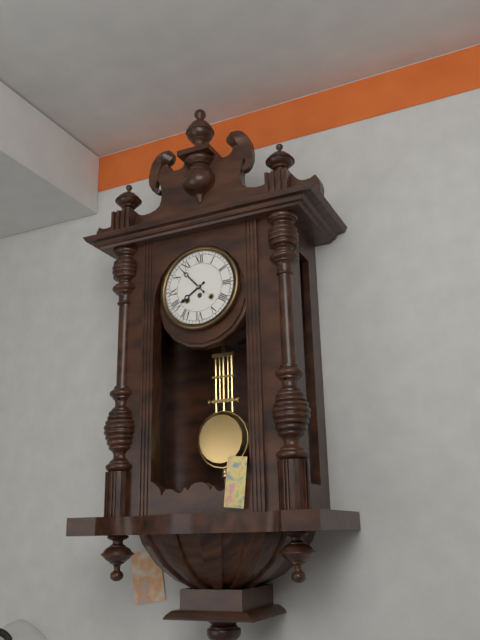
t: h=7 m=53
